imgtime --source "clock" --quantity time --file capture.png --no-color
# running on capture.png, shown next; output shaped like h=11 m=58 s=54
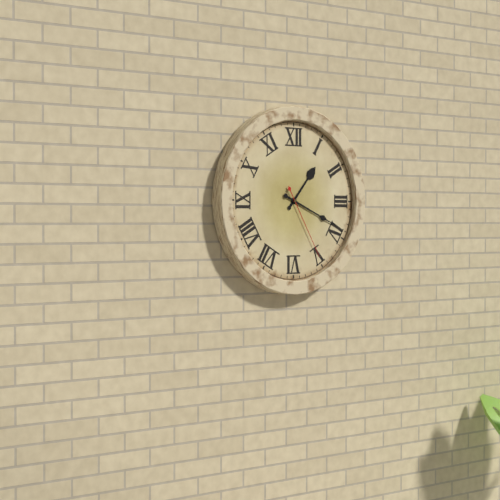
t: h=1 m=19 s=25
